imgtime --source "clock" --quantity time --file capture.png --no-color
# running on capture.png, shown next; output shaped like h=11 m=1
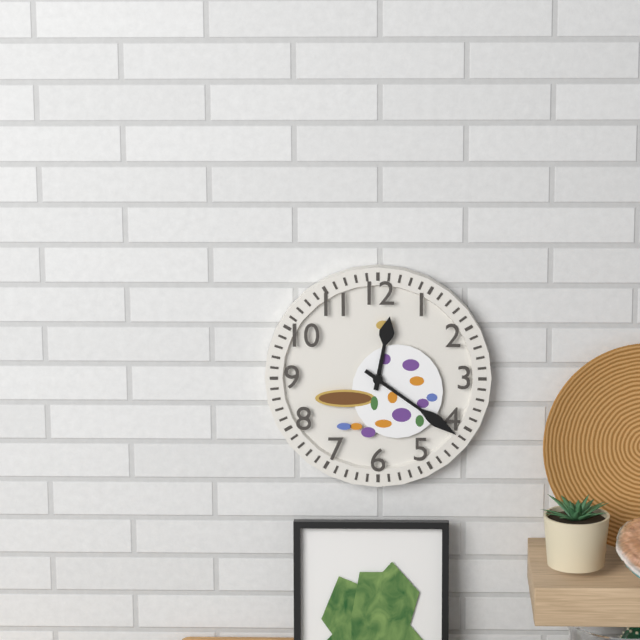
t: h=12 m=21
